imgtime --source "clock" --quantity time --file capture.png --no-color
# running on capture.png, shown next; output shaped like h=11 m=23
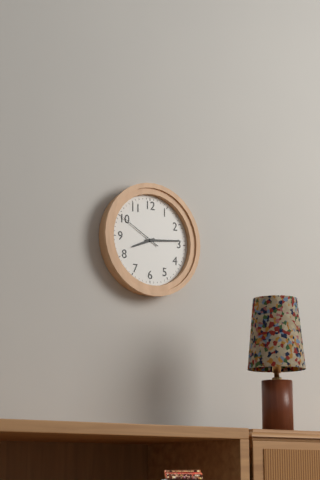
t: h=8 m=14
